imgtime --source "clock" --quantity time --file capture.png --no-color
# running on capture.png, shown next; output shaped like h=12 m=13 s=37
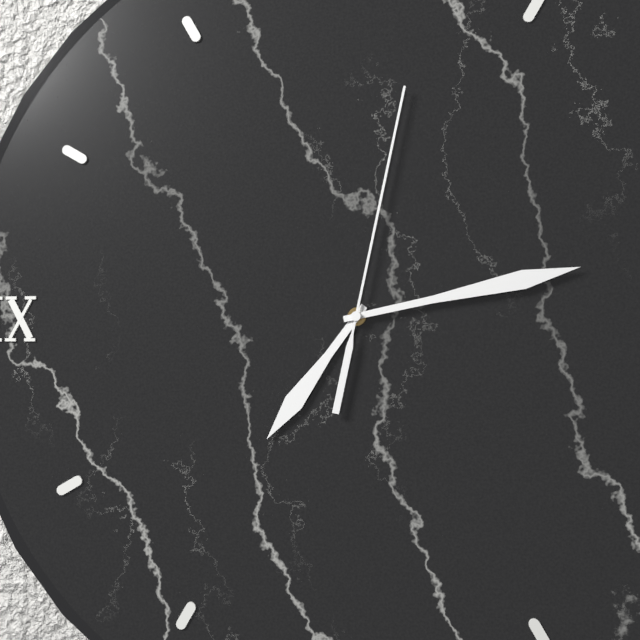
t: h=7 m=13 s=2
